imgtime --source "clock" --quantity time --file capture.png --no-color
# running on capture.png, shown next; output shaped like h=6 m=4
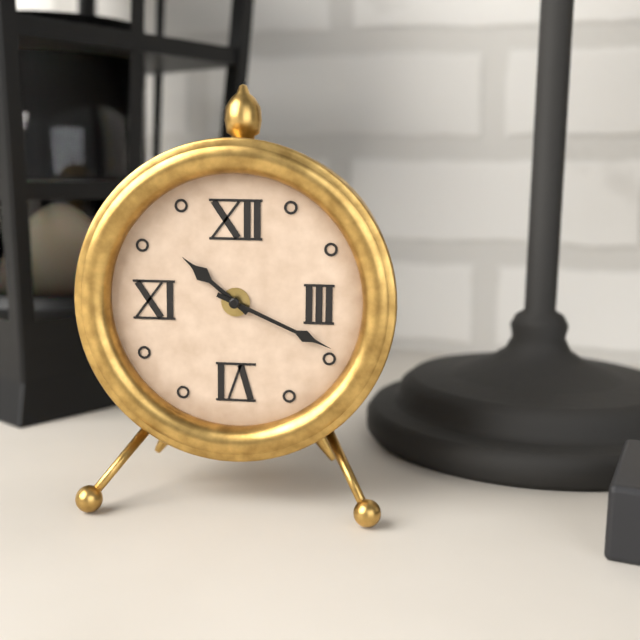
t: h=10 m=19
